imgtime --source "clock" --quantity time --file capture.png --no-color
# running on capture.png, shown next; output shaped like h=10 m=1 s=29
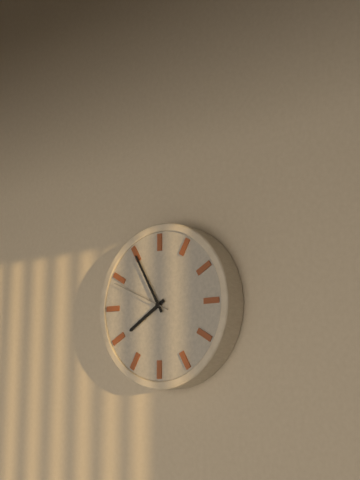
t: h=7 m=55 s=49
